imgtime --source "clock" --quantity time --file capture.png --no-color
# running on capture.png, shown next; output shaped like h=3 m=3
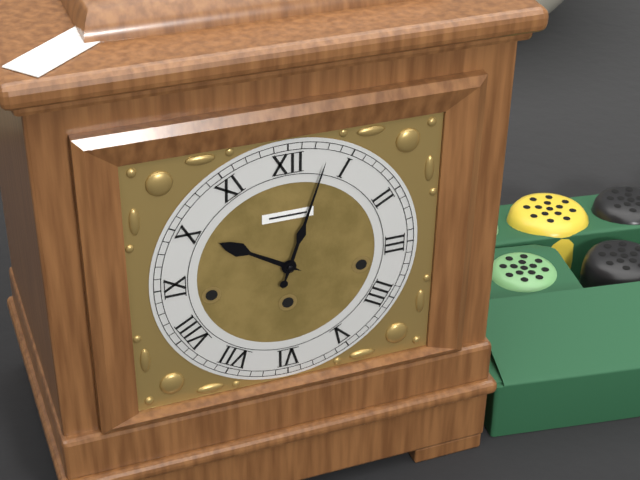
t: h=10 m=3
